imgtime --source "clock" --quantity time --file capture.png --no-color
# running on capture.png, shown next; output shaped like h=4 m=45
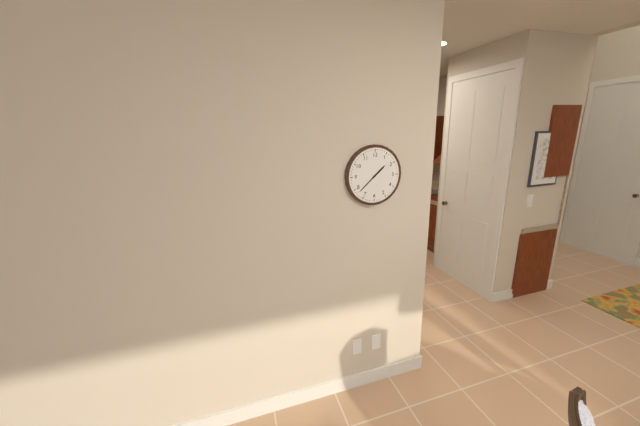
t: h=1 m=38
